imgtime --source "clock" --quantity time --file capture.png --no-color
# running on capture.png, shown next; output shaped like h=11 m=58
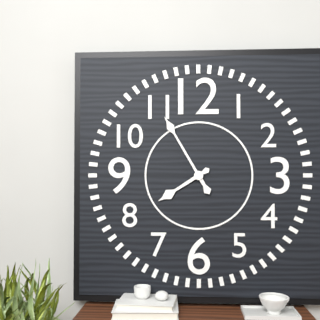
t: h=7 m=55
